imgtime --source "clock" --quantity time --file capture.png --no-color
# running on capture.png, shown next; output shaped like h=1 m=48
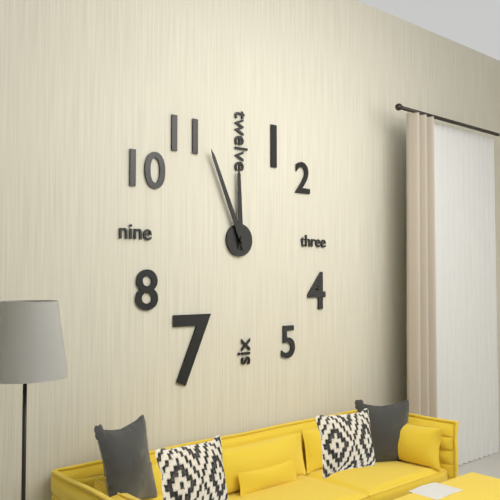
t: h=11 m=56
